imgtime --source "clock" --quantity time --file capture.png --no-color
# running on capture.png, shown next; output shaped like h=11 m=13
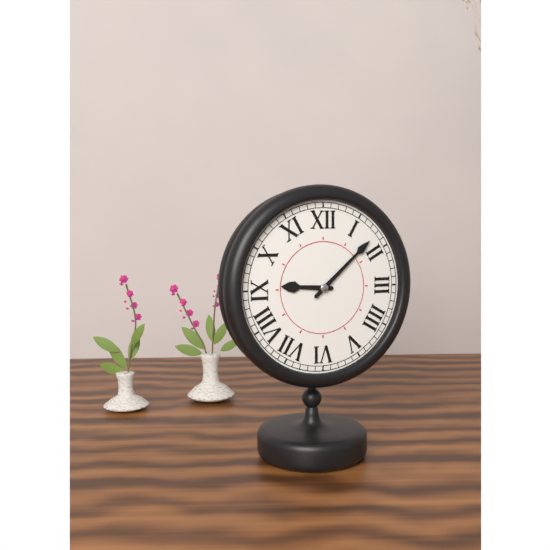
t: h=9 m=8
